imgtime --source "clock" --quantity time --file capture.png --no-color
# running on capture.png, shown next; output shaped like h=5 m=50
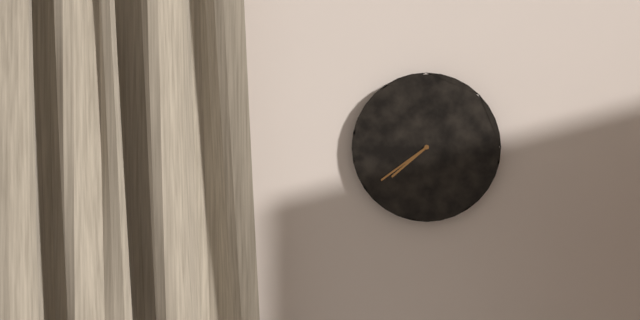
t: h=7 m=39
